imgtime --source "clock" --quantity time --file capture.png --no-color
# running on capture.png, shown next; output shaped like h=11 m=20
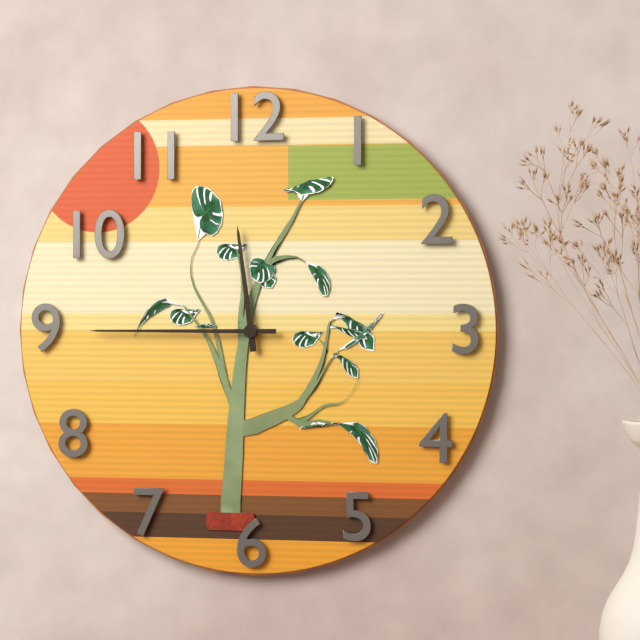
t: h=11 m=45
